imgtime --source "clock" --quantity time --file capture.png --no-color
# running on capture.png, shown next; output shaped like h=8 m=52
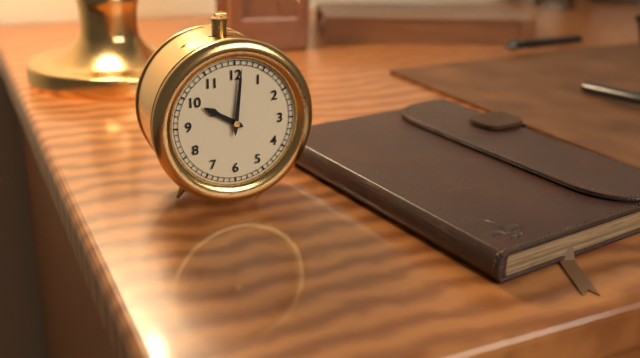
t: h=10 m=1
